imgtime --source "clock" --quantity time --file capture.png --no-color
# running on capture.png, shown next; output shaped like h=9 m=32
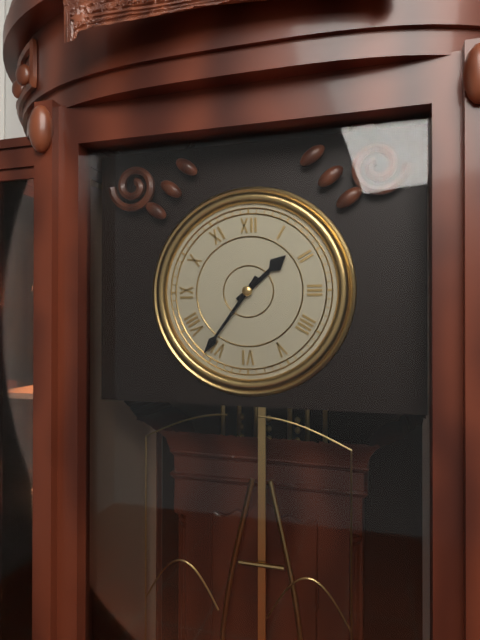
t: h=1 m=36
